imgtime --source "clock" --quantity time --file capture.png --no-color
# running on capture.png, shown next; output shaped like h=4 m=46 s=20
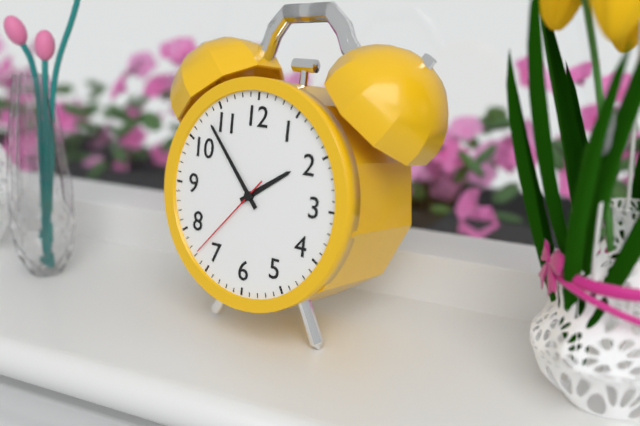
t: h=1 m=53 s=37
